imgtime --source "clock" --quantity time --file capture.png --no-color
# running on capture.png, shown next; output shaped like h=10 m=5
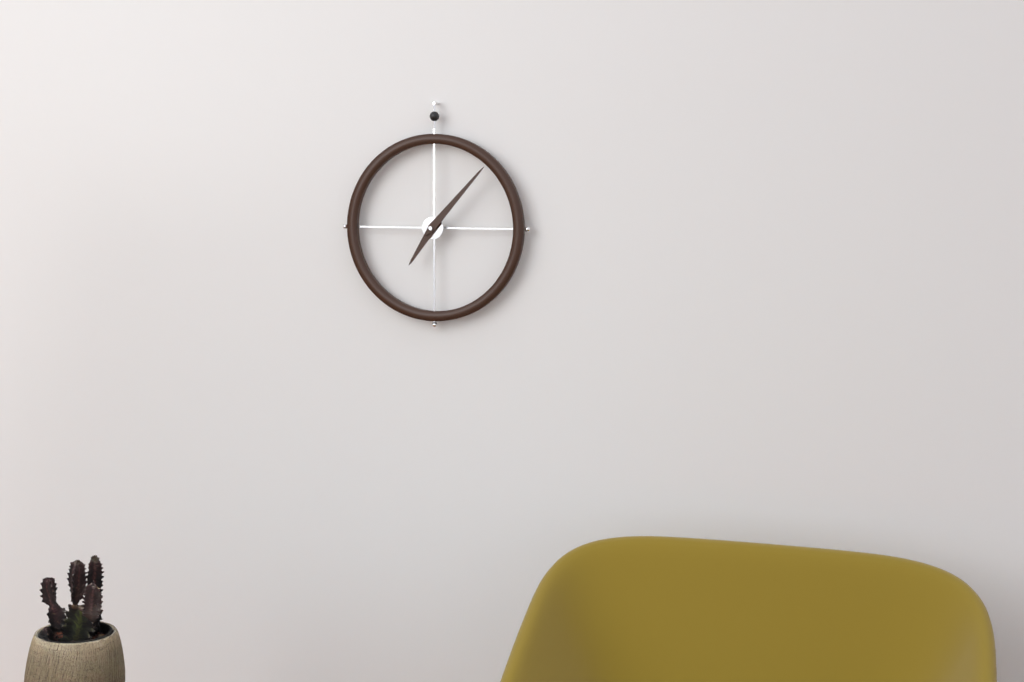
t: h=7 m=7
